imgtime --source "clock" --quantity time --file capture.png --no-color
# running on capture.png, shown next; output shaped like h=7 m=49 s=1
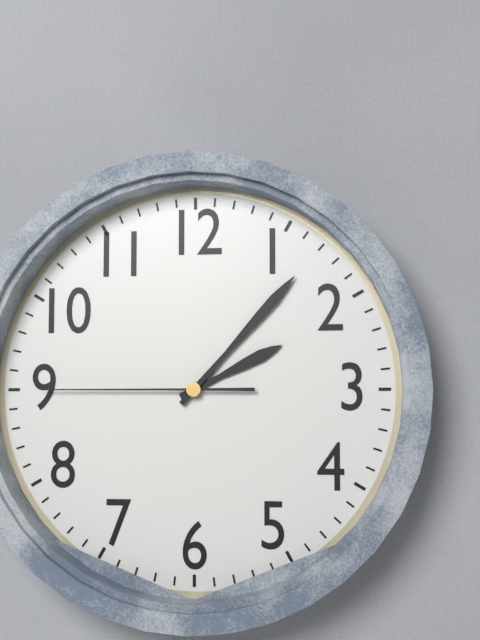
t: h=2 m=7 s=45
